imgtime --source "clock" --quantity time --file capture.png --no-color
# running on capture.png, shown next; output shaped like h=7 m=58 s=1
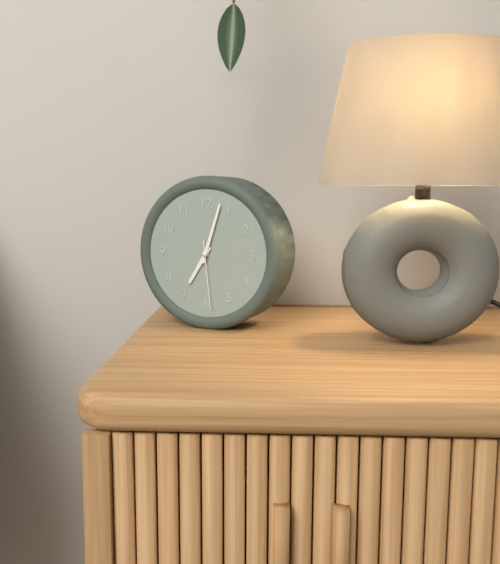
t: h=7 m=3 s=29
